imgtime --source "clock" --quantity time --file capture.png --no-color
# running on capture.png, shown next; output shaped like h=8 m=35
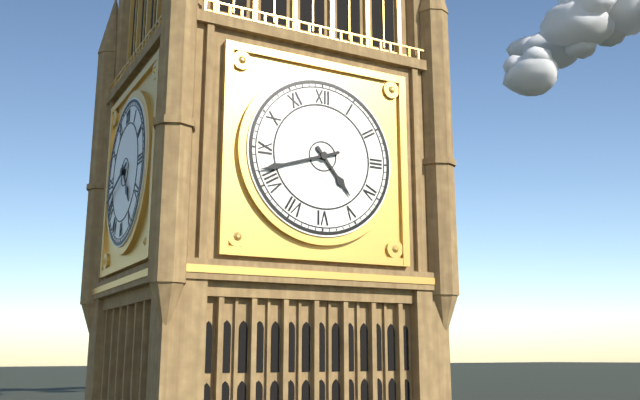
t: h=4 m=42
